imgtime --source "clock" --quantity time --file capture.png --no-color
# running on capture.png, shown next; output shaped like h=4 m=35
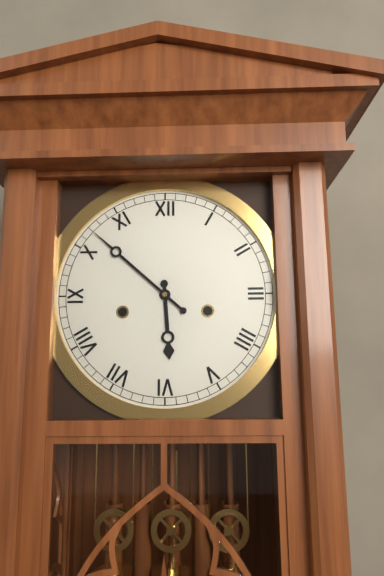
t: h=5 m=52
